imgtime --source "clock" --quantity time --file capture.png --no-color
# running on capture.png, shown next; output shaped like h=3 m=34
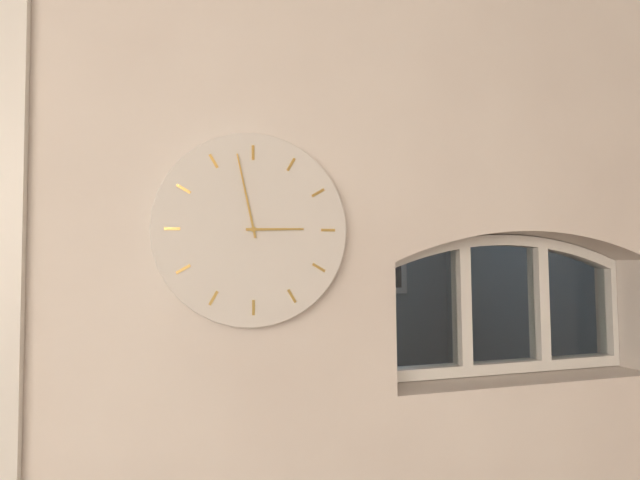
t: h=2 m=58
